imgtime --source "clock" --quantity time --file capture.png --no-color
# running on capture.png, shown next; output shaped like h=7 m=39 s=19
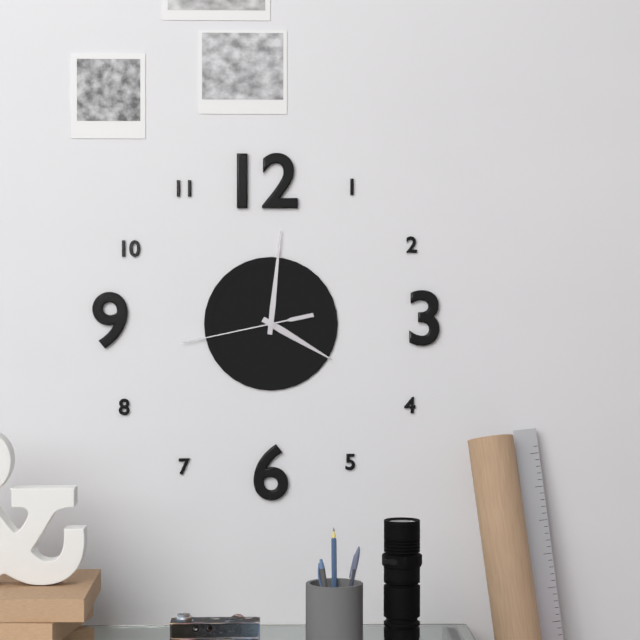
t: h=4 m=1 s=43
